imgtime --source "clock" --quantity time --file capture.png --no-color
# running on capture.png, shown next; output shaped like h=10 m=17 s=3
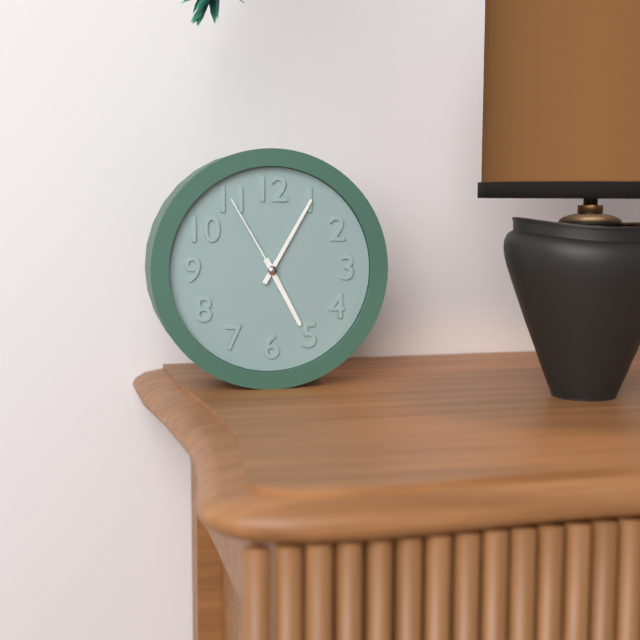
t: h=5 m=5 s=55
